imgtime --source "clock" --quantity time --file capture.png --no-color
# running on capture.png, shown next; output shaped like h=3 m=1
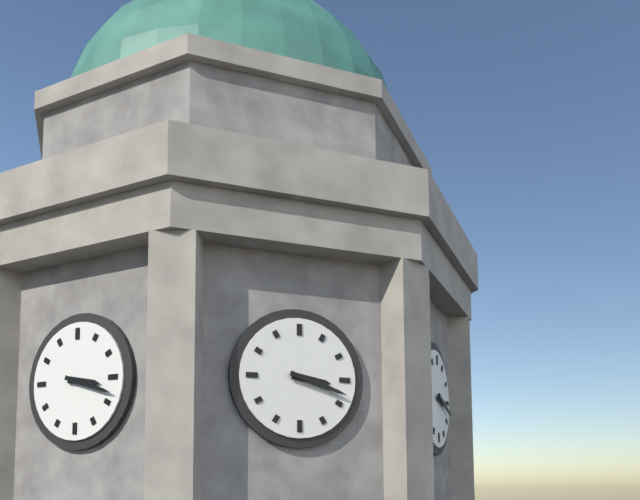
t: h=3 m=18
